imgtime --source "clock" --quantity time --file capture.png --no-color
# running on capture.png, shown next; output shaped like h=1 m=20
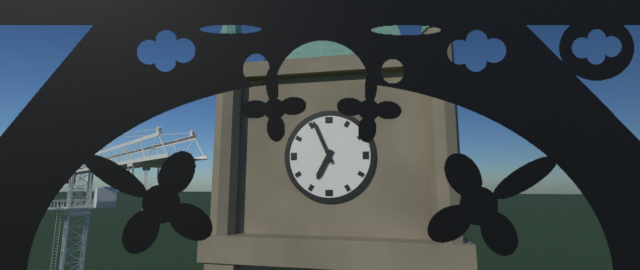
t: h=6 m=56
